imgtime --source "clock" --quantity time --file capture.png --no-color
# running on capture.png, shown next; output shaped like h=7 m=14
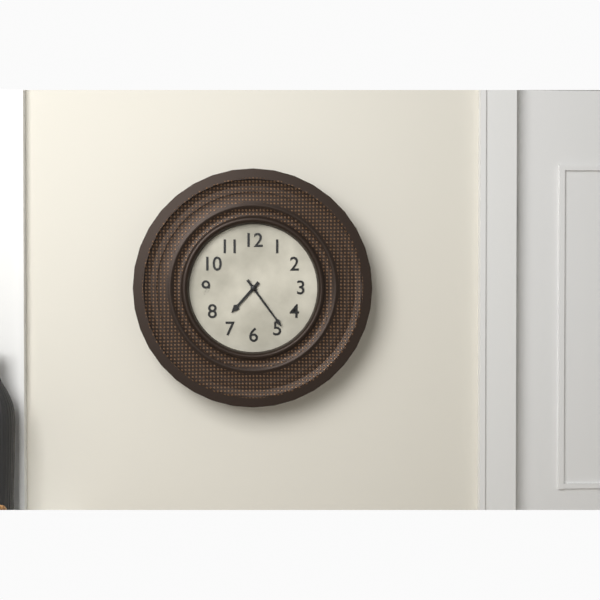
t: h=7 m=24
